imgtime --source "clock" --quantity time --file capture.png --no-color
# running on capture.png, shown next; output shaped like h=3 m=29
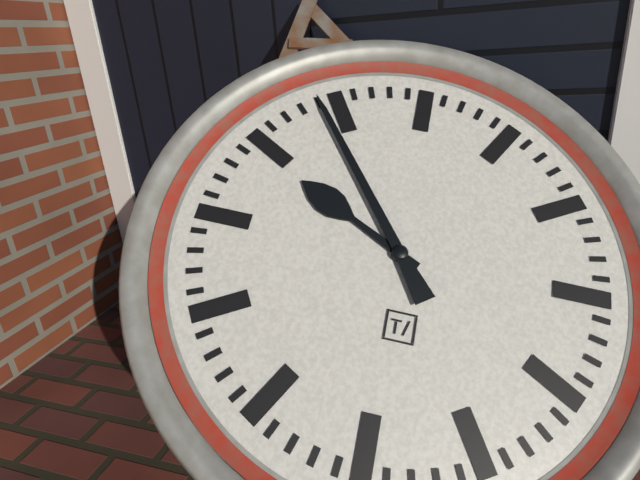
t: h=9 m=54
